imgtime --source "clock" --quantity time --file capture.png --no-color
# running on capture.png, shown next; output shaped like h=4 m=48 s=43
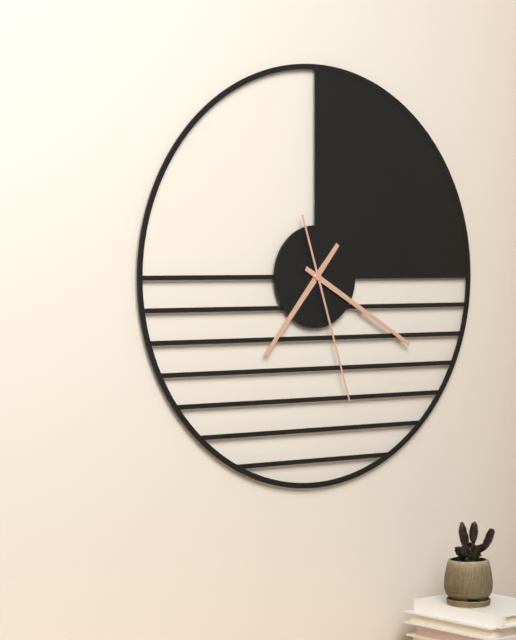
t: h=7 m=20 s=27
